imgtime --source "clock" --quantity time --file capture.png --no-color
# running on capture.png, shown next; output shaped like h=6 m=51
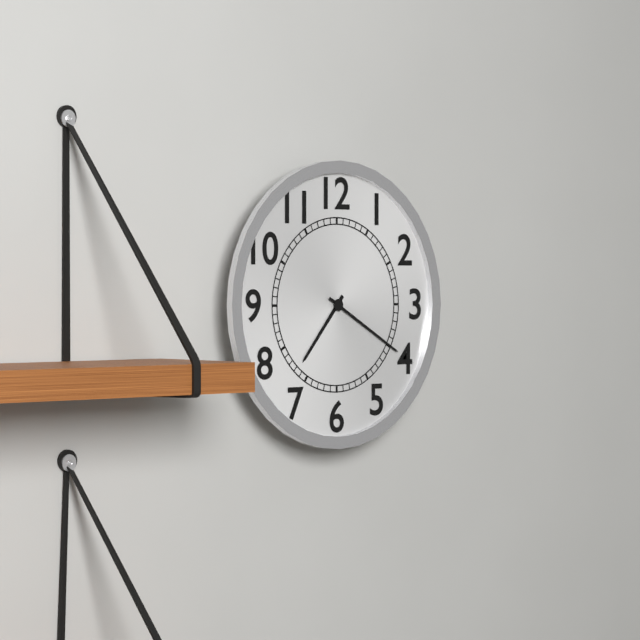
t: h=7 m=20
